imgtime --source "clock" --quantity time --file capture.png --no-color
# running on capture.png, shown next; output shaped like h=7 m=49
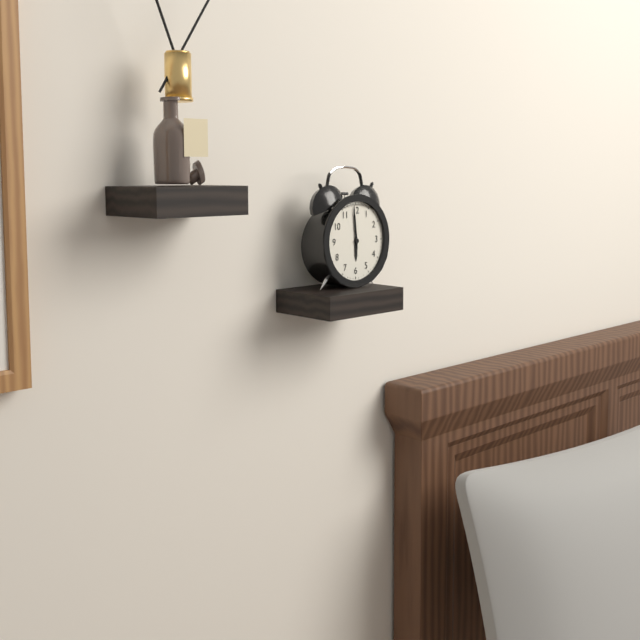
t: h=5 m=59
